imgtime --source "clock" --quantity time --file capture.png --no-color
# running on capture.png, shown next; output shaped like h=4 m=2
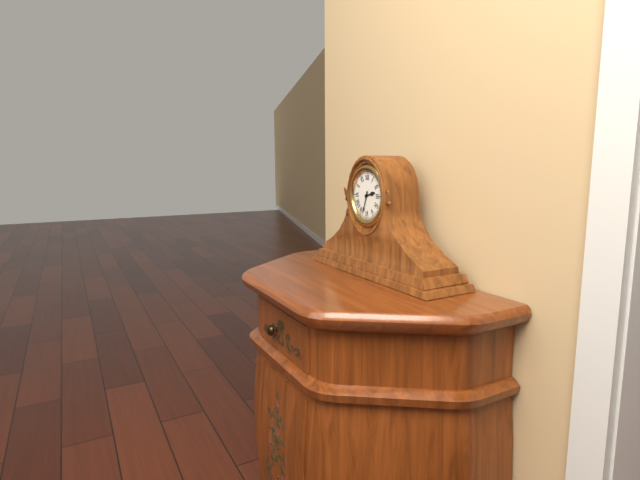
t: h=2 m=33
